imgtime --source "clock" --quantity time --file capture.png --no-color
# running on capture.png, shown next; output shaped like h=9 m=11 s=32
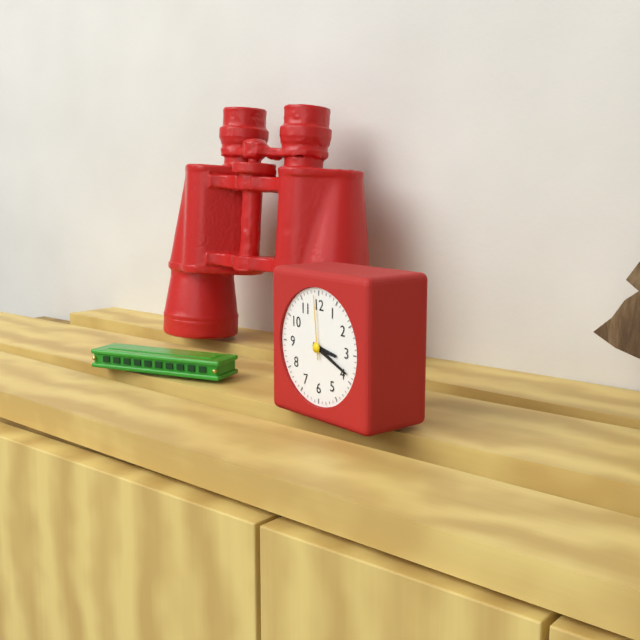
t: h=3 m=19 s=59
